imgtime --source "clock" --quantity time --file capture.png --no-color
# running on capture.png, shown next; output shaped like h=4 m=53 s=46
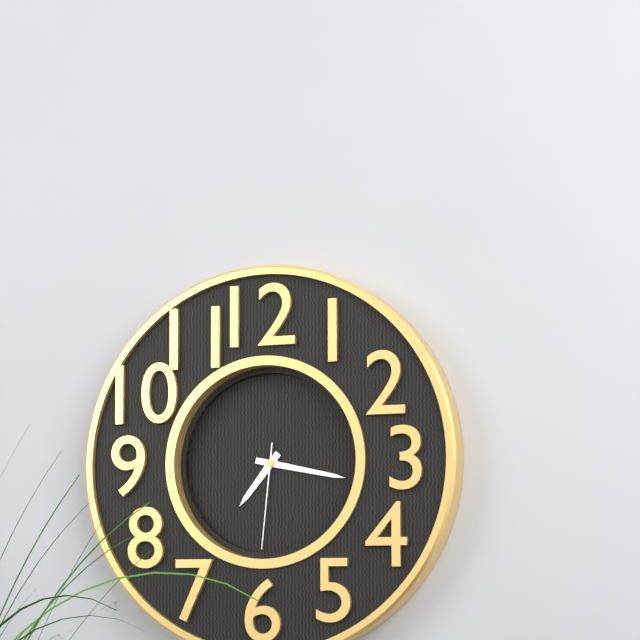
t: h=7 m=17 s=31
